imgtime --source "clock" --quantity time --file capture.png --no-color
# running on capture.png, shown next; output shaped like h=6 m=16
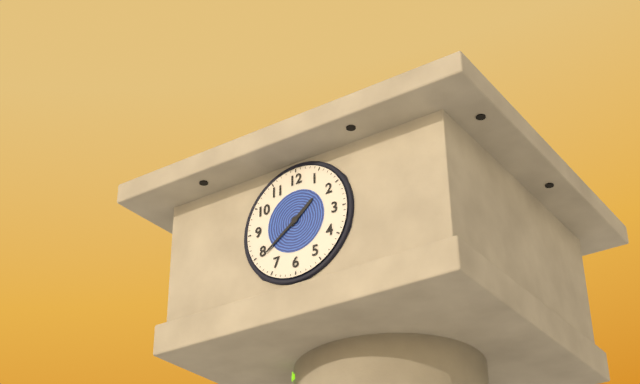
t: h=1 m=39
